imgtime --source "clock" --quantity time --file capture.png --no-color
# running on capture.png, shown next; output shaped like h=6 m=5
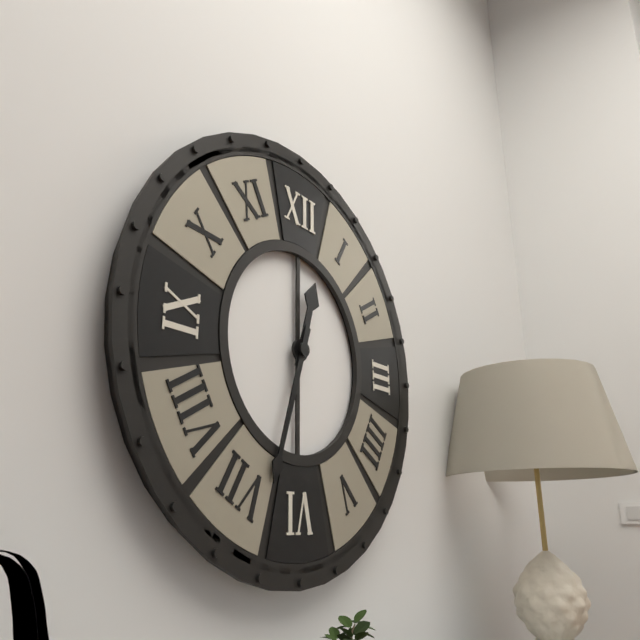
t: h=12 m=33
